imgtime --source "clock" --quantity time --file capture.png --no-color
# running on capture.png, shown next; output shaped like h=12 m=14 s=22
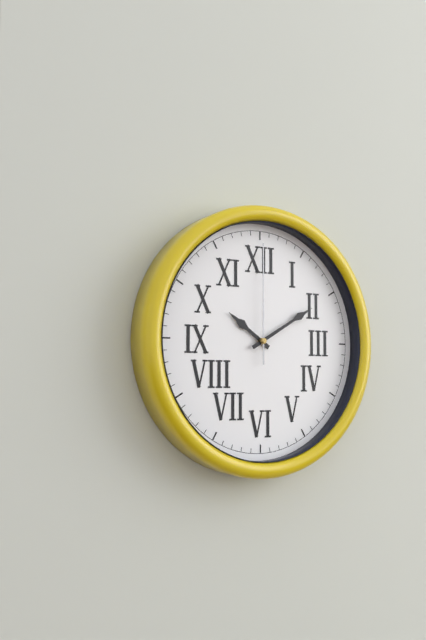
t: h=10 m=10 s=0
